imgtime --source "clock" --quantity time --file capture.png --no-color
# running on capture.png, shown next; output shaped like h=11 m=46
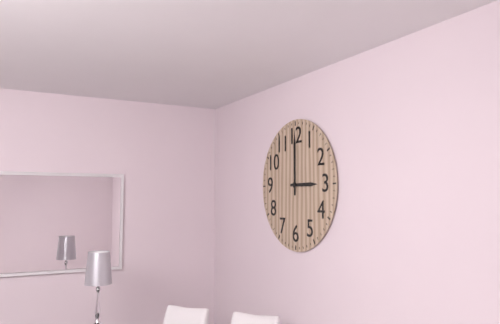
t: h=3 m=0
